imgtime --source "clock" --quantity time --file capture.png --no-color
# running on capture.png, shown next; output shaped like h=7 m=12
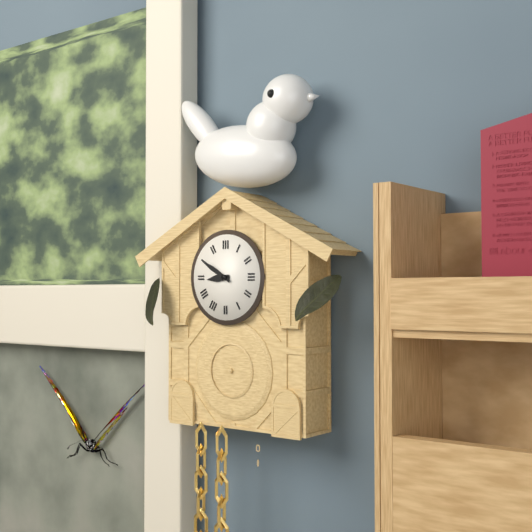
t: h=8 m=50
